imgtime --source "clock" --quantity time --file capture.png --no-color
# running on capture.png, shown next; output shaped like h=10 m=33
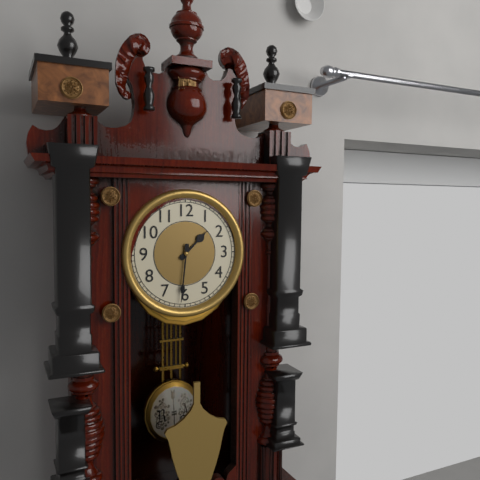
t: h=1 m=31
